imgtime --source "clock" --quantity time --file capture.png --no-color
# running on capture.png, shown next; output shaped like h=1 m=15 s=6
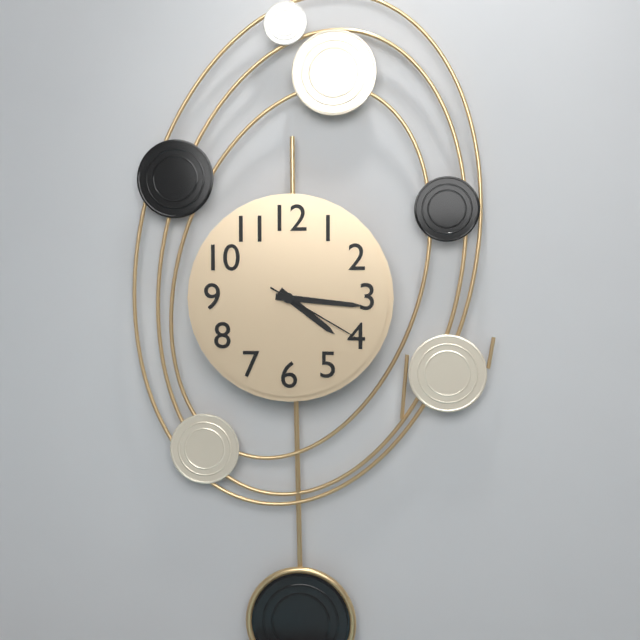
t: h=4 m=16 s=20
